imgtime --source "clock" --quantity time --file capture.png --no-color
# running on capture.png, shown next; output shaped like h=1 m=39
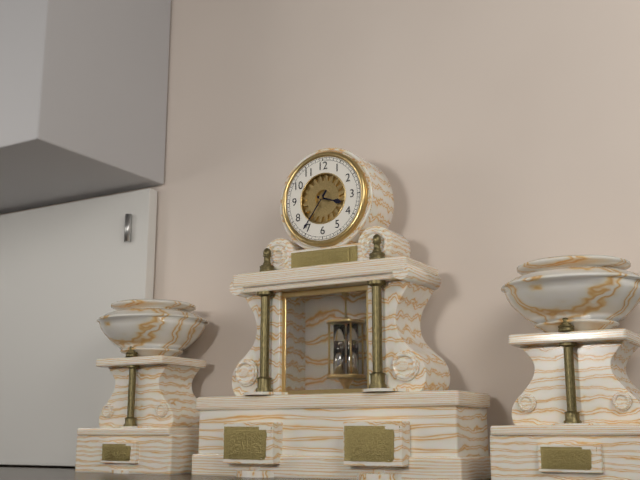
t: h=3 m=36
